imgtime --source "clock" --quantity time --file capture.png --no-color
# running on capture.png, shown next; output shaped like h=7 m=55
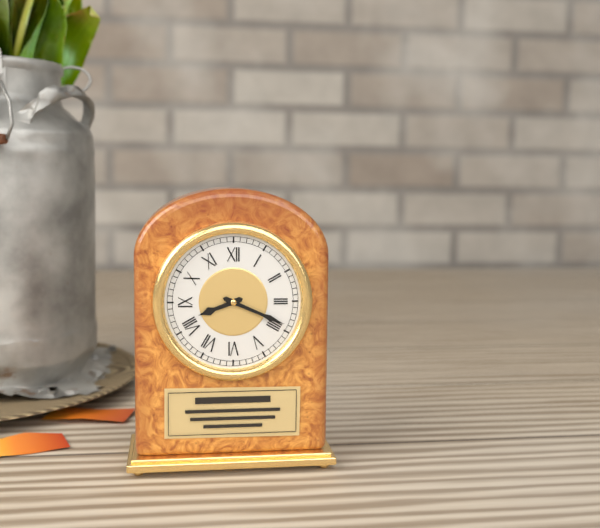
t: h=8 m=19
